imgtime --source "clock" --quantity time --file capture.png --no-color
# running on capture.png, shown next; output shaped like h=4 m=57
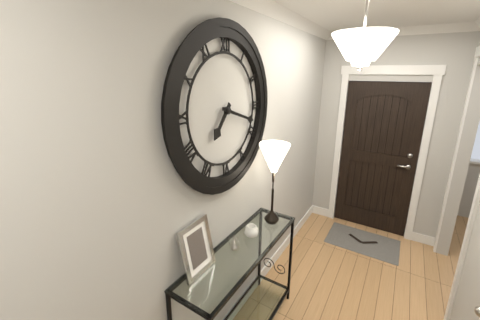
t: h=7 m=18
